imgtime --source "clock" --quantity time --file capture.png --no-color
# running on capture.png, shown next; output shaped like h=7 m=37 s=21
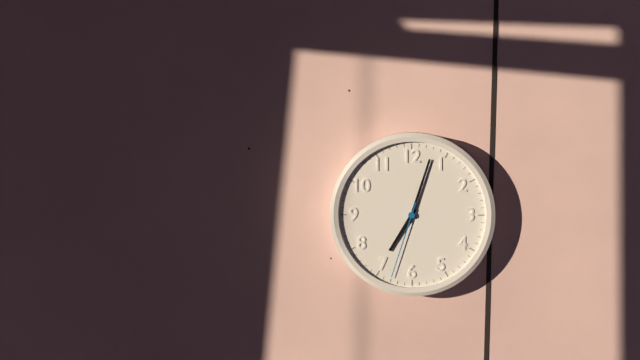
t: h=7 m=3 s=33
